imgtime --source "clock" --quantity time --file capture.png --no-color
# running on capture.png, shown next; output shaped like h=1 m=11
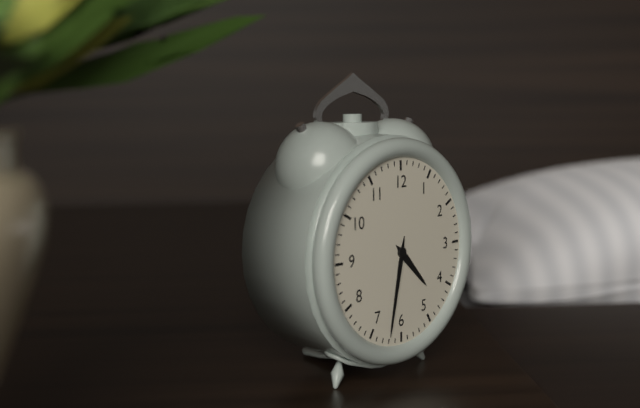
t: h=4 m=32
